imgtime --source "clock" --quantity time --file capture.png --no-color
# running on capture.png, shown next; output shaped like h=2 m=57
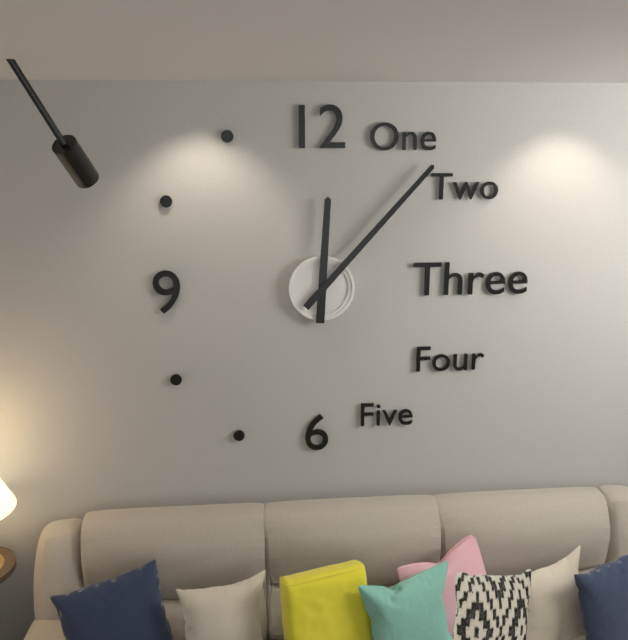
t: h=12 m=7
